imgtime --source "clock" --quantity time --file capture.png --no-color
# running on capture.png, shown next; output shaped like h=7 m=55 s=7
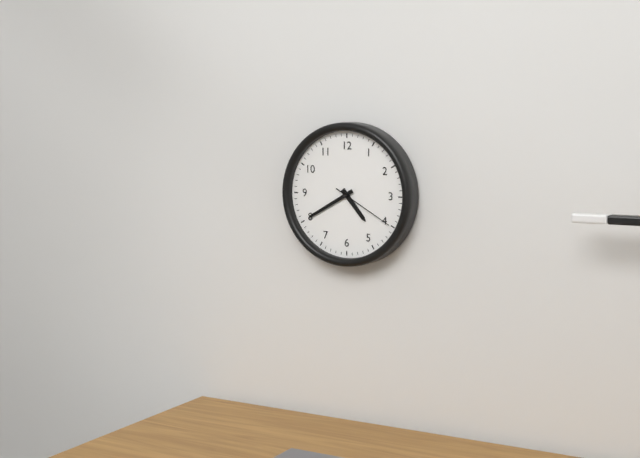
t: h=4 m=40 s=20
